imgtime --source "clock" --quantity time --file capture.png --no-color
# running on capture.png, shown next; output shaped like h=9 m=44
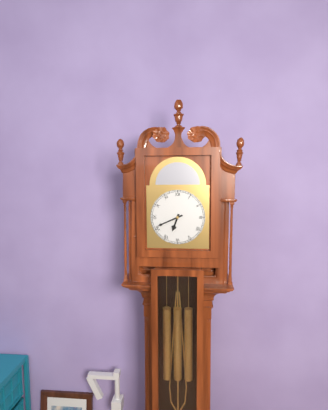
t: h=6 m=41
